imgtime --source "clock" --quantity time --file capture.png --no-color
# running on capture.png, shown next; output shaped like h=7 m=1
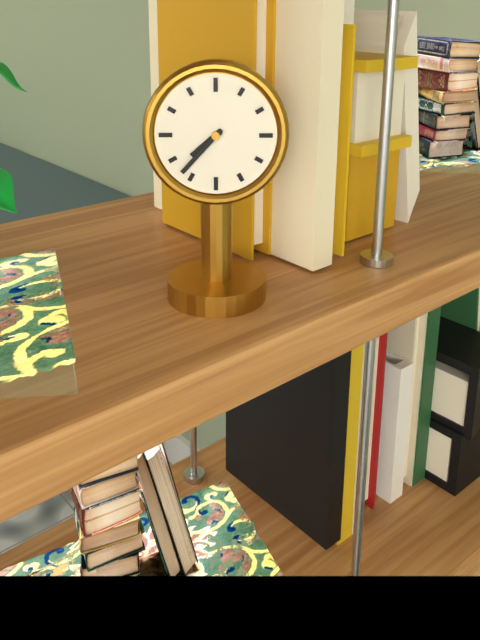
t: h=7 m=37
